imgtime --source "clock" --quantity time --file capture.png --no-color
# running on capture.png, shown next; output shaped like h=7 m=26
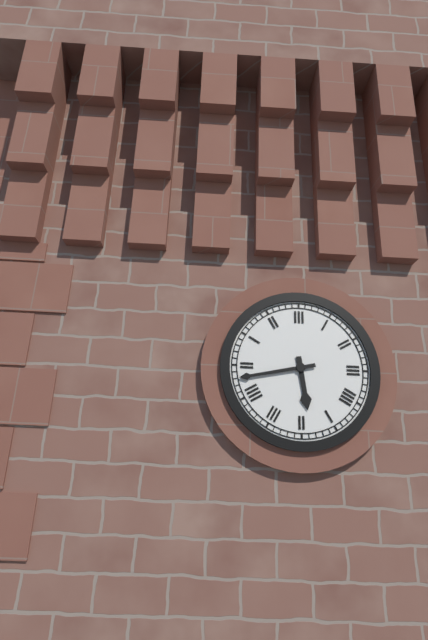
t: h=5 m=43
